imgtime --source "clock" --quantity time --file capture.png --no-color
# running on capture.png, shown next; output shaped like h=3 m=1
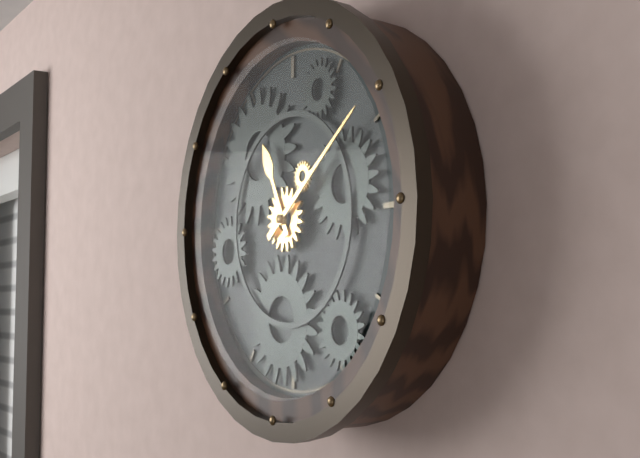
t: h=11 m=9
